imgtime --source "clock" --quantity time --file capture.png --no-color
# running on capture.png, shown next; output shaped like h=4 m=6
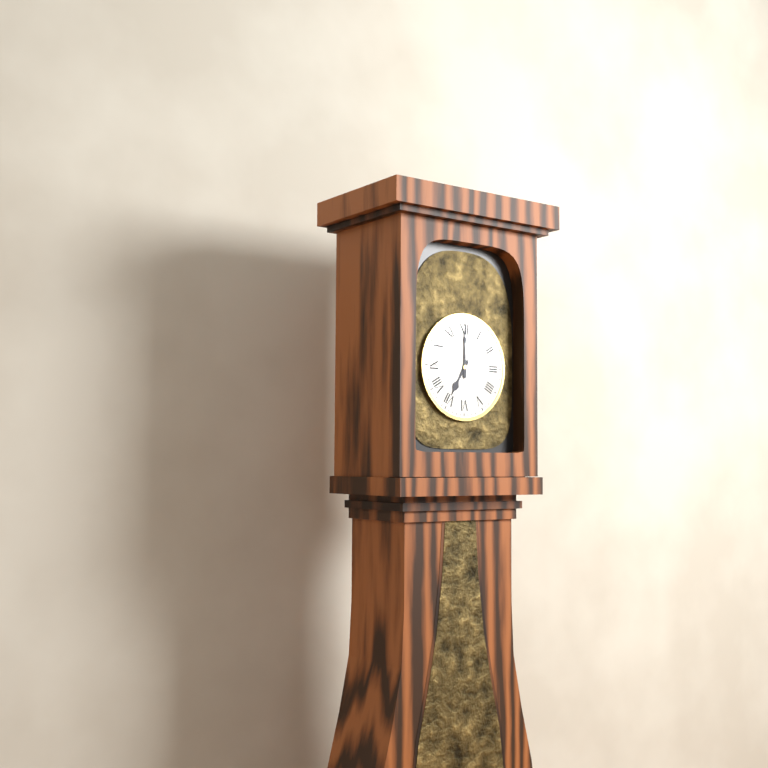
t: h=7 m=0
